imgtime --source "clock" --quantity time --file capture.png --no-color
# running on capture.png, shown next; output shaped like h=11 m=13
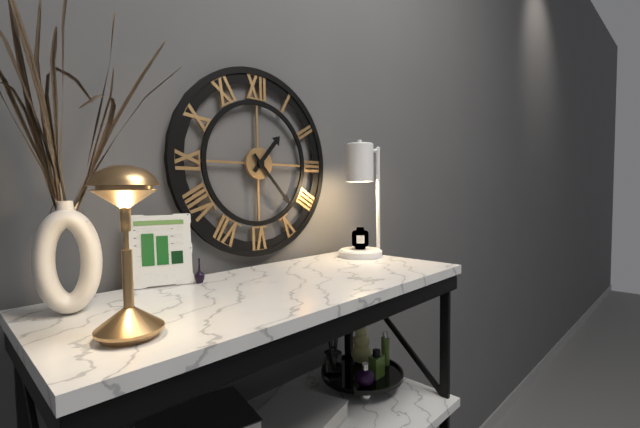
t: h=1 m=23
